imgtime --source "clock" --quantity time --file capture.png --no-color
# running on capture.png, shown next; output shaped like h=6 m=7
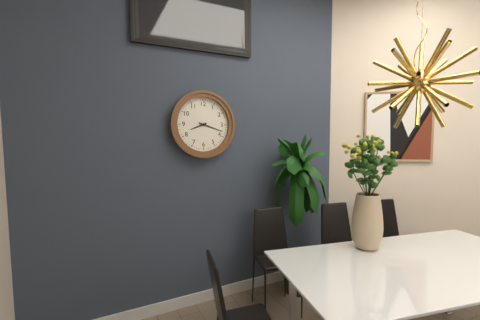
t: h=8 m=18
